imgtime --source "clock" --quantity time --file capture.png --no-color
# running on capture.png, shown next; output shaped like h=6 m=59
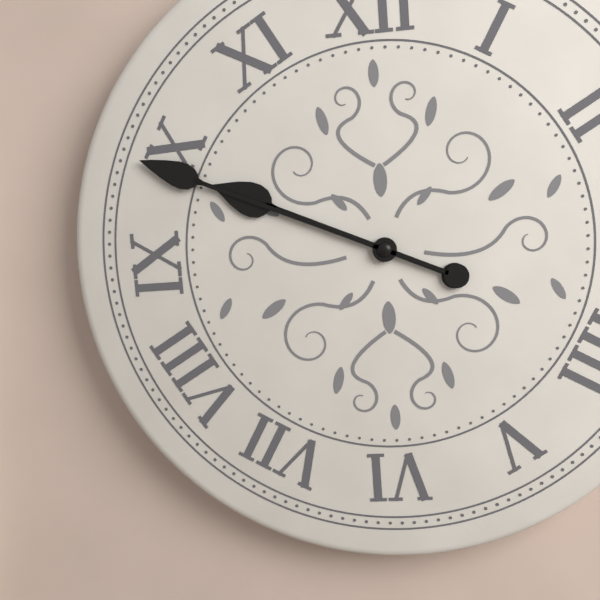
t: h=9 m=49
